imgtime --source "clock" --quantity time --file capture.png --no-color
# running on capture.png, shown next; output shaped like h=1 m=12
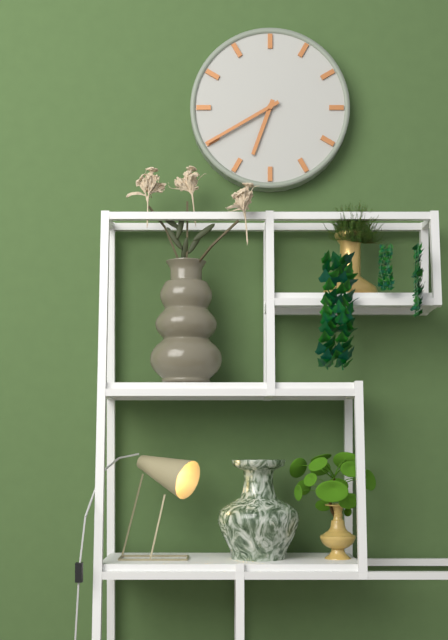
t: h=6 m=40
